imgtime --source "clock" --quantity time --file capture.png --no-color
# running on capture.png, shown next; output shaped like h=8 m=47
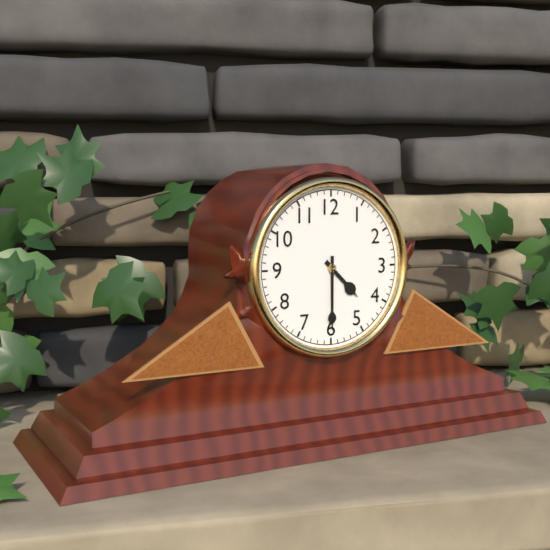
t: h=4 m=30
